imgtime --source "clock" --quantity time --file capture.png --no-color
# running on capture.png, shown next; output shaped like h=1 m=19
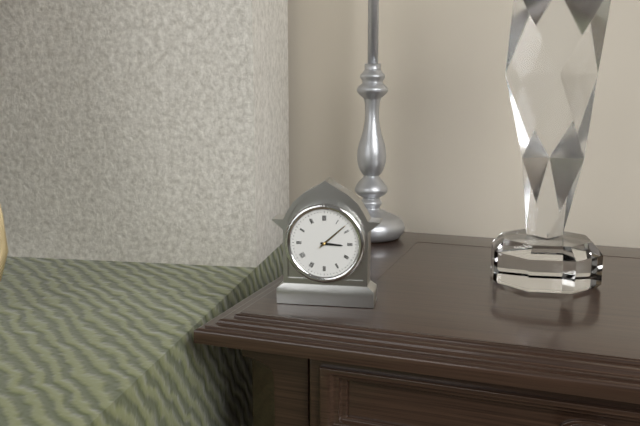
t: h=3 m=8
